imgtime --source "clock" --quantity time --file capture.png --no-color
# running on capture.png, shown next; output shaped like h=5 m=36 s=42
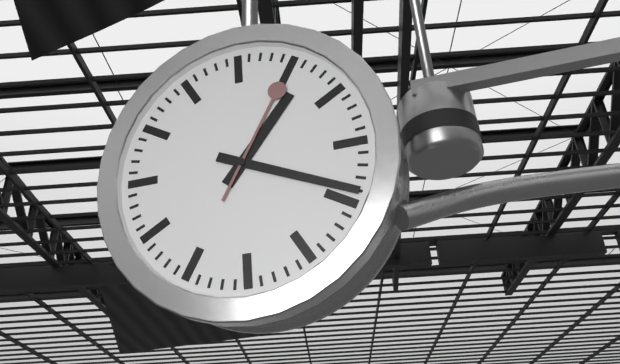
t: h=1 m=19 s=5
